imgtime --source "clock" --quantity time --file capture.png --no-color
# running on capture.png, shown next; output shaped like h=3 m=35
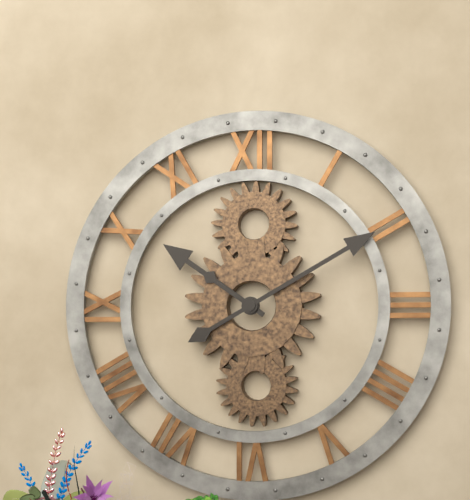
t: h=10 m=10
